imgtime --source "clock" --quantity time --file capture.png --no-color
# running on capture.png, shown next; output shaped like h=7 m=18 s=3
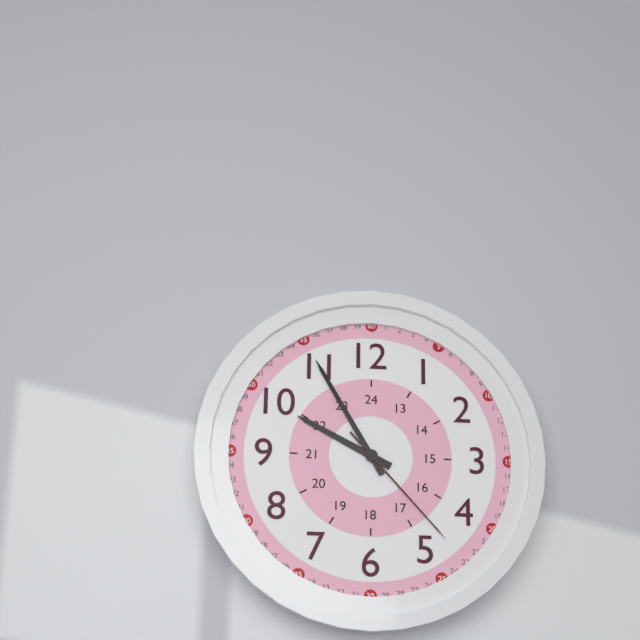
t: h=9 m=55 s=23
